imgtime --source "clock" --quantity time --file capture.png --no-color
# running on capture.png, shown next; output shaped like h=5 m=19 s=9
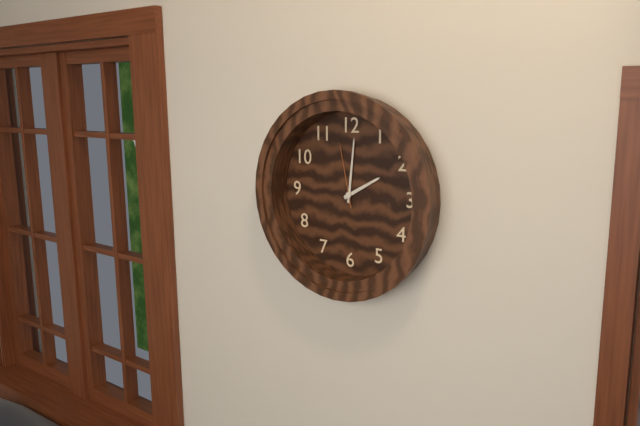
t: h=2 m=1 s=58
